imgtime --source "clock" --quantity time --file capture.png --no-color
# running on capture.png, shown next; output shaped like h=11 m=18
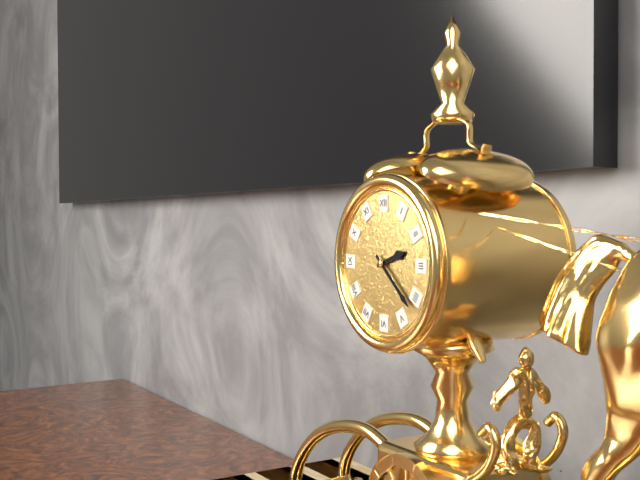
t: h=2 m=22
